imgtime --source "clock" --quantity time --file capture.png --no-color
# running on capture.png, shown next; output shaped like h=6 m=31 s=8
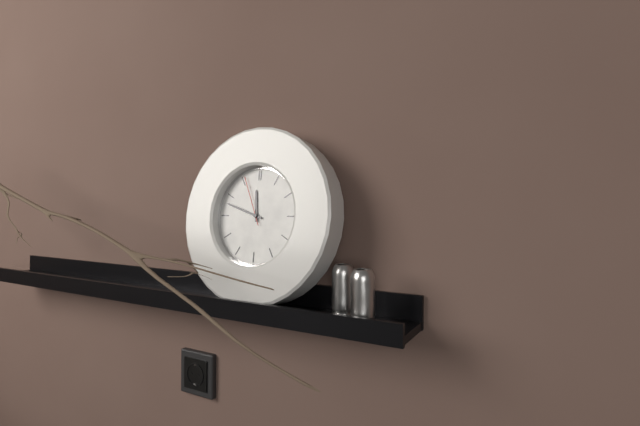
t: h=11 m=48 s=56
